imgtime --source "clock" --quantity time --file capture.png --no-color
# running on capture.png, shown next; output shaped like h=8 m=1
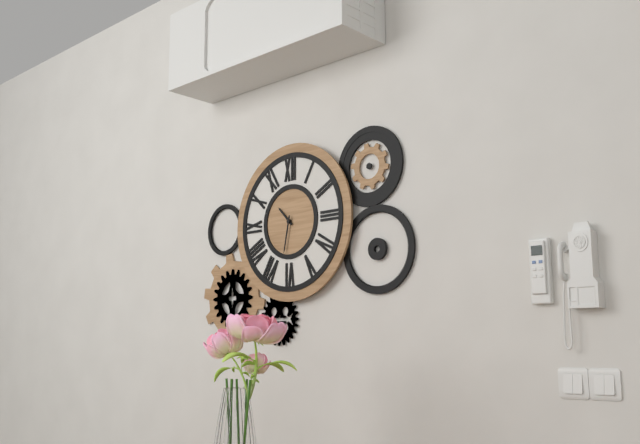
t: h=10 m=32
